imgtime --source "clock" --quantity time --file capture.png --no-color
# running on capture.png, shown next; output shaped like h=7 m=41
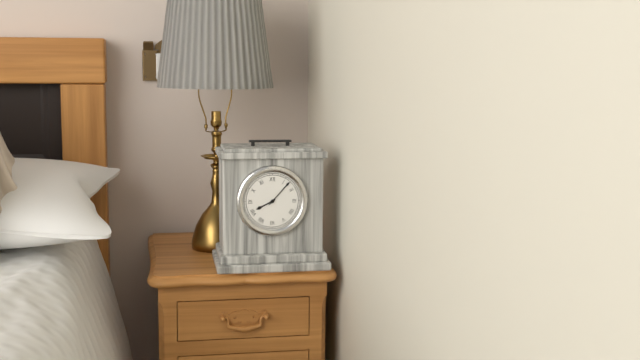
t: h=8 m=7
